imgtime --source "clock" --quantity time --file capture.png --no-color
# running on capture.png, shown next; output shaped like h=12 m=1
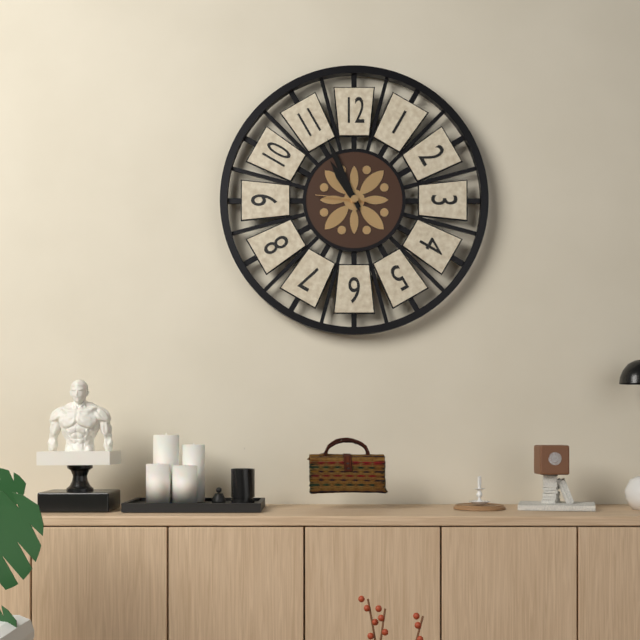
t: h=10 m=56
